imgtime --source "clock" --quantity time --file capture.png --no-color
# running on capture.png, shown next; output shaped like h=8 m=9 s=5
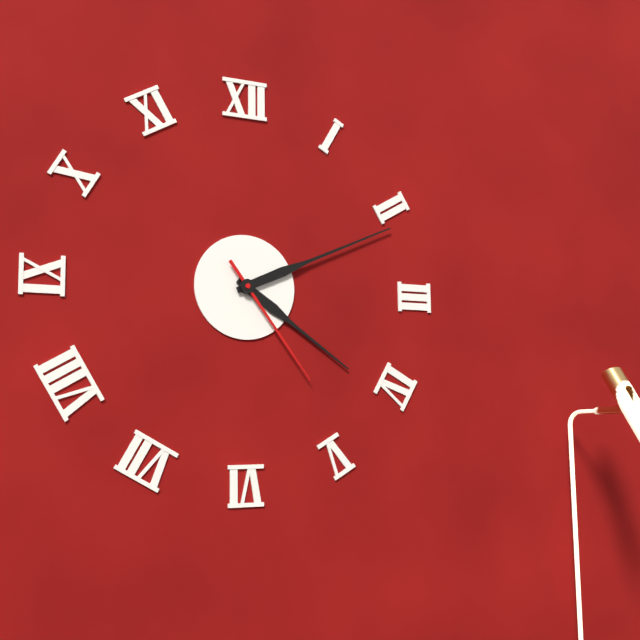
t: h=4 m=11 s=24
